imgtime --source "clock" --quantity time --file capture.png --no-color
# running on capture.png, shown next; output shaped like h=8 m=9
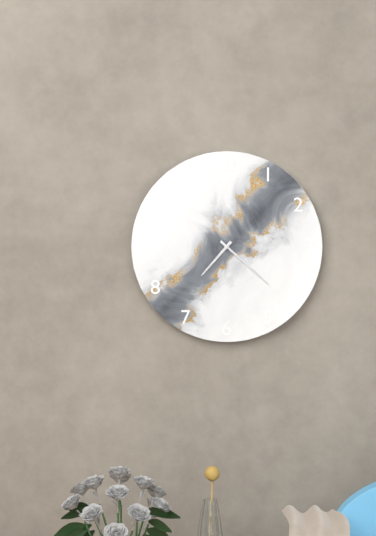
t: h=7 m=22
